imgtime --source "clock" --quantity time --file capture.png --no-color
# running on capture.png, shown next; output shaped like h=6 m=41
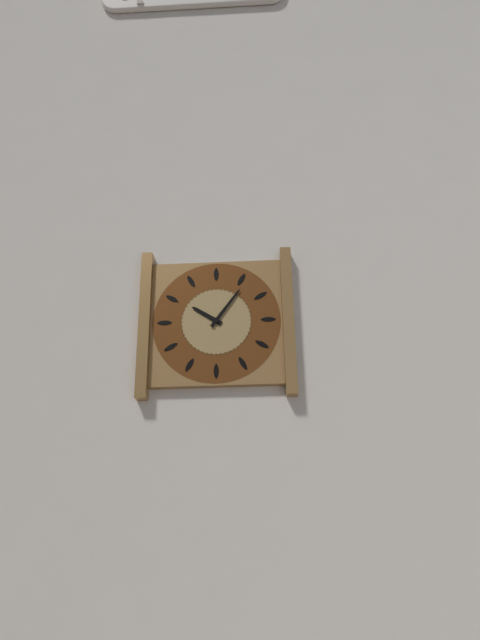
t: h=10 m=6
